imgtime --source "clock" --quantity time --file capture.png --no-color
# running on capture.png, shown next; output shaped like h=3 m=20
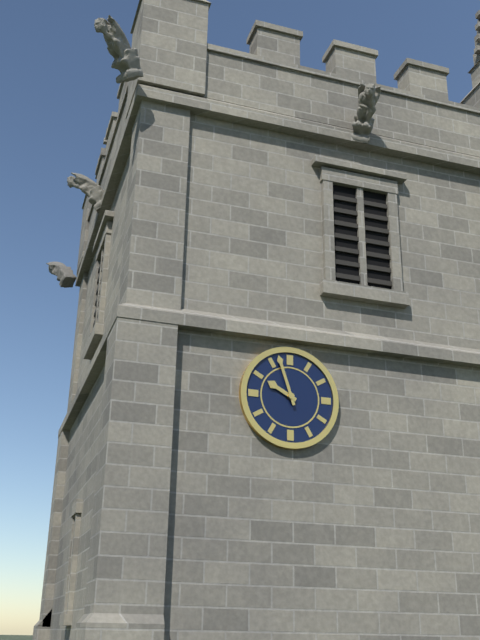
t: h=9 m=57
